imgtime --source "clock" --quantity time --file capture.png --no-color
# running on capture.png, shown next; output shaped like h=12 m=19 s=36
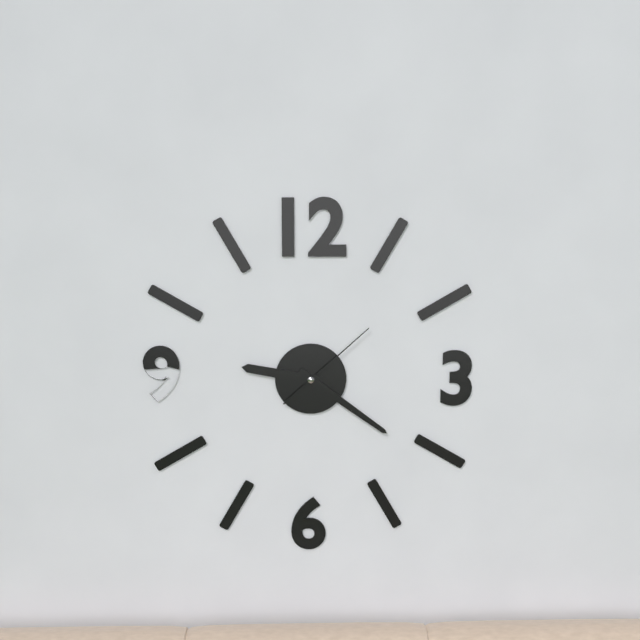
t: h=9 m=21 s=8
